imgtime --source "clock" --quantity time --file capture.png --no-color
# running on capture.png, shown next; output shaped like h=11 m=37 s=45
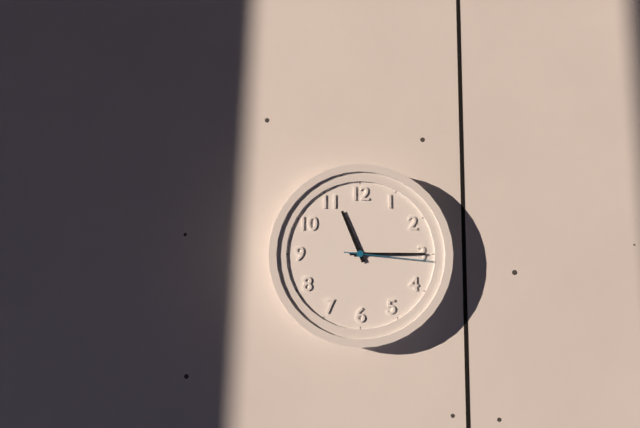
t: h=11 m=15 s=16
